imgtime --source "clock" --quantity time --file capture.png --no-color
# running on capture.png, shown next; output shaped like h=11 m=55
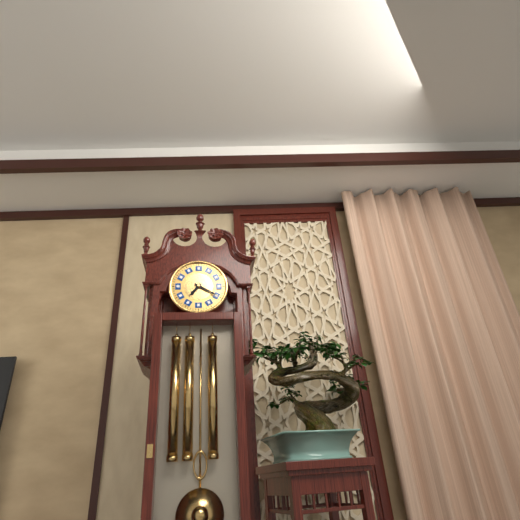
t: h=7 m=20
